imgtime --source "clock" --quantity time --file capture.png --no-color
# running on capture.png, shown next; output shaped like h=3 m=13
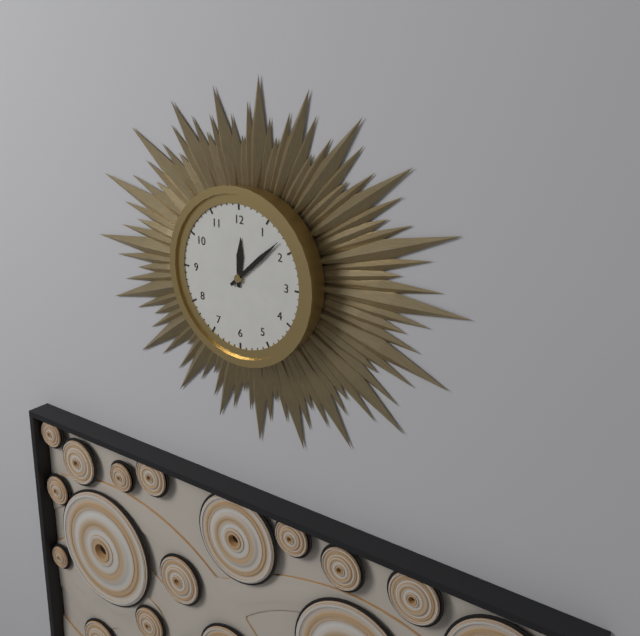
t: h=12 m=8
